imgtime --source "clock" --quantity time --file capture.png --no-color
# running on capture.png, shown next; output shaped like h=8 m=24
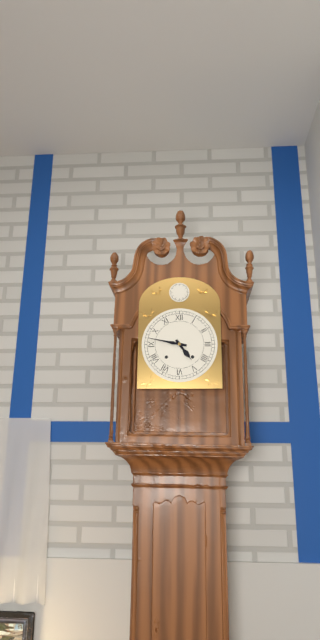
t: h=4 m=47
